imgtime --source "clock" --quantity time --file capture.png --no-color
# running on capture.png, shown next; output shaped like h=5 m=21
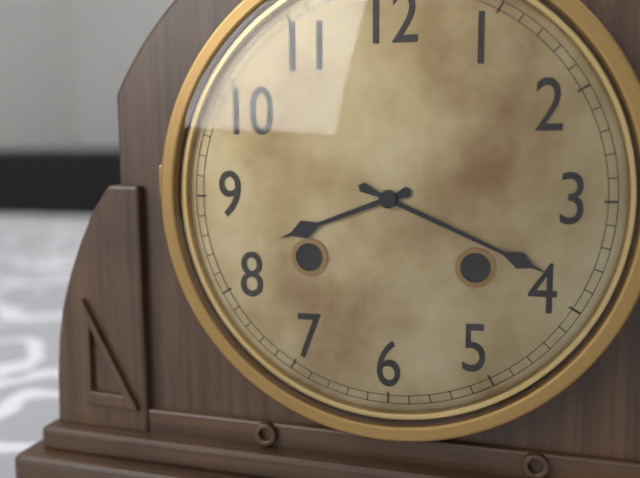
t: h=8 m=19
